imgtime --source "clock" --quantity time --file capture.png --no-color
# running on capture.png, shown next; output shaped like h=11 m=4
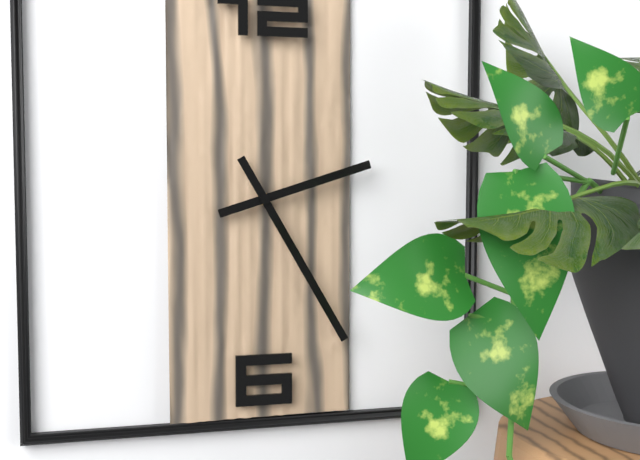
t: h=2 m=25
